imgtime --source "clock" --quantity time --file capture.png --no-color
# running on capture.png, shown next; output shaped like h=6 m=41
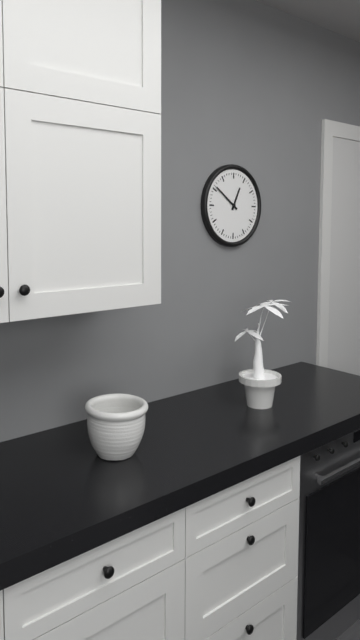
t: h=12 m=51
